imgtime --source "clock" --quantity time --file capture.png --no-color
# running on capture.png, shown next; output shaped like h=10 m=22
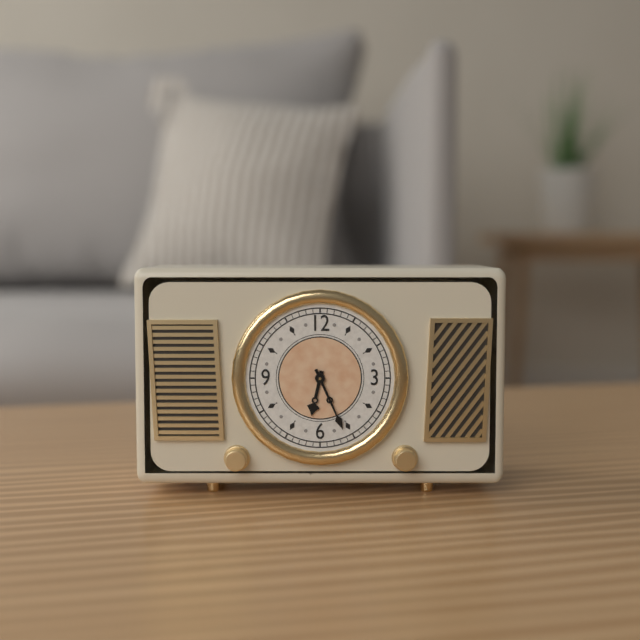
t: h=6 m=26
